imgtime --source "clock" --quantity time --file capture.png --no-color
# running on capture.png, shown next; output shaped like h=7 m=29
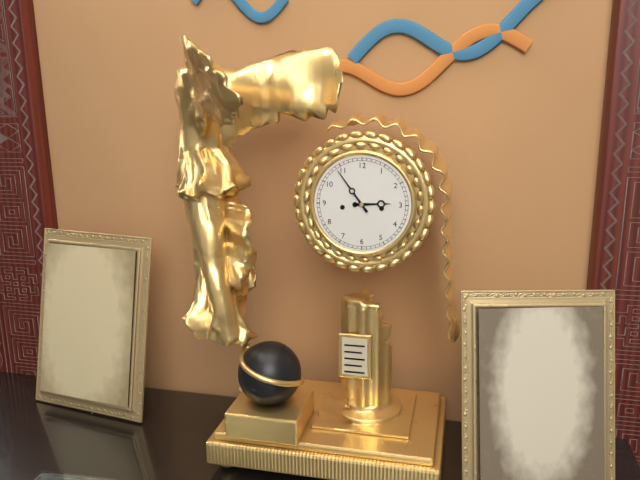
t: h=2 m=54
